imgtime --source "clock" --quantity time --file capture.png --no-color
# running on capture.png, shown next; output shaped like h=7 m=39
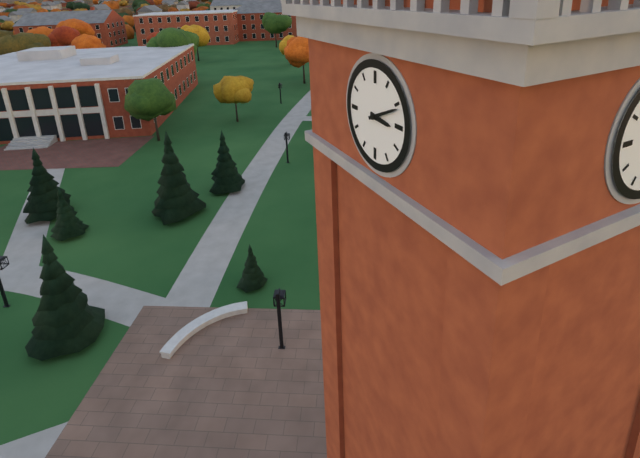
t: h=3 m=11
